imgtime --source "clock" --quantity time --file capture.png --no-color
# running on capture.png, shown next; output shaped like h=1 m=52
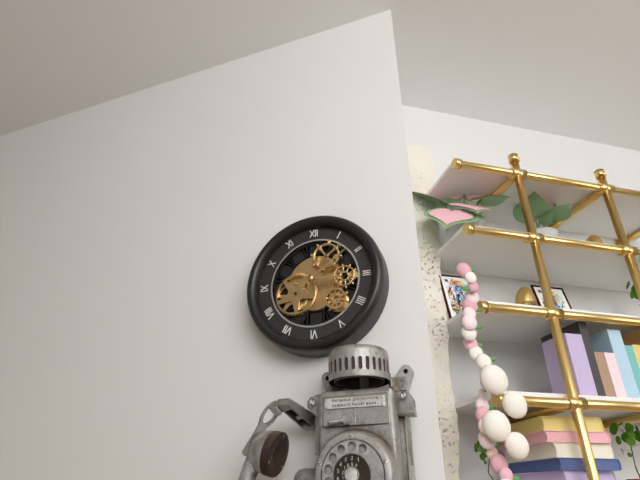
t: h=3 m=9
